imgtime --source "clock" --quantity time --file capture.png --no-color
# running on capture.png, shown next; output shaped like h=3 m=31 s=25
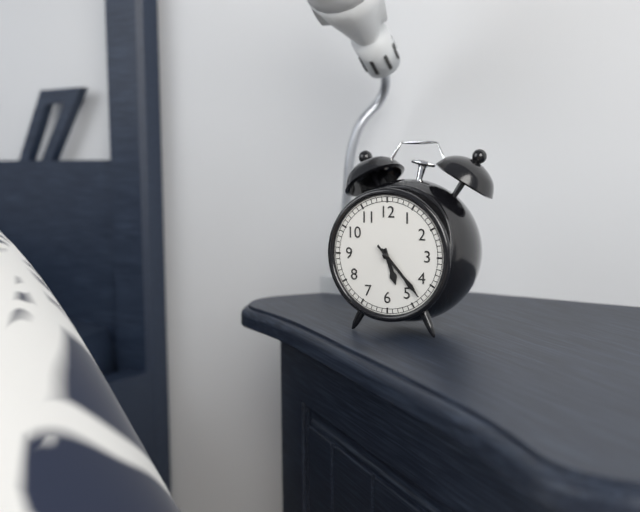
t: h=5 m=23 s=23
